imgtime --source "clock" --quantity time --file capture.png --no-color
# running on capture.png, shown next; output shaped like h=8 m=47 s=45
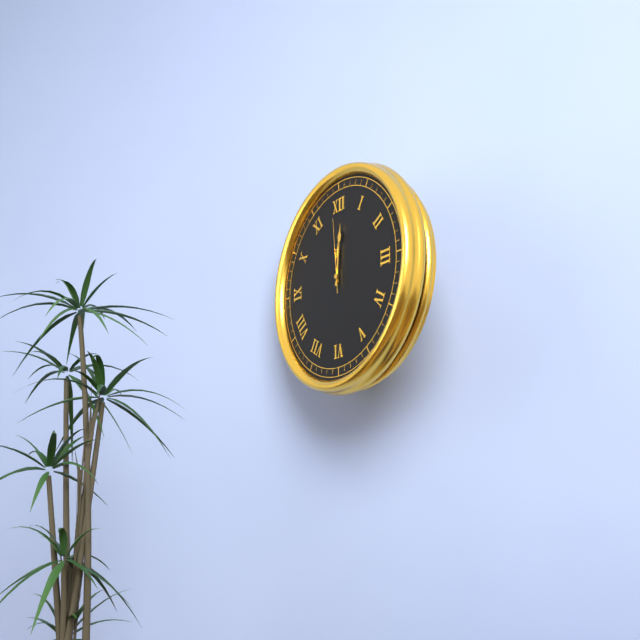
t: h=12 m=1 s=59
